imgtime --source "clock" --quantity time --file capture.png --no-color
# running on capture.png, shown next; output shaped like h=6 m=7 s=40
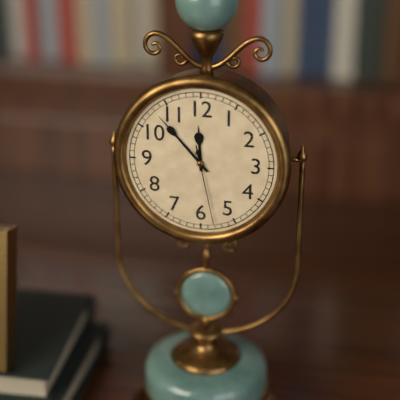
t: h=11 m=53 s=28
